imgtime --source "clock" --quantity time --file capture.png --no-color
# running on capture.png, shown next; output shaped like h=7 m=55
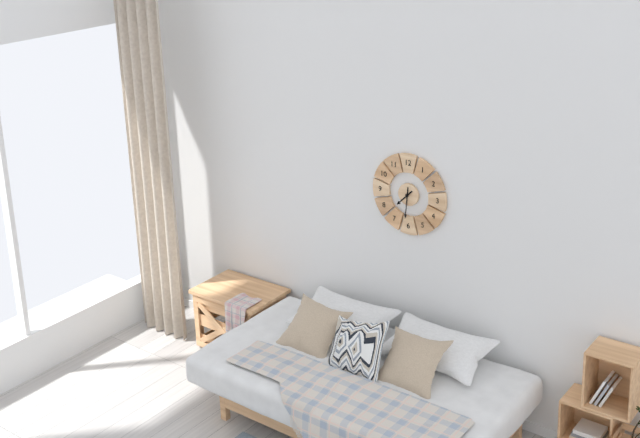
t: h=7 m=31
